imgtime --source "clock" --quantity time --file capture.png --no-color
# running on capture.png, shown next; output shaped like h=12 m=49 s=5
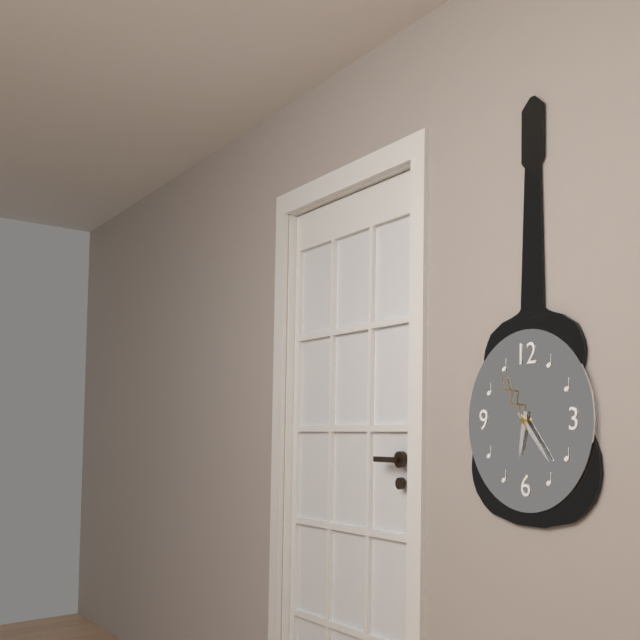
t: h=6 m=23 s=54
